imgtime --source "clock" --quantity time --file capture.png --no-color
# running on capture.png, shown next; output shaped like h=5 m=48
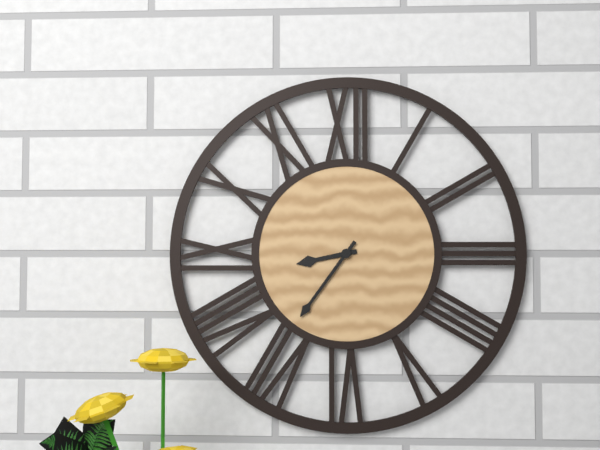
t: h=8 m=36
